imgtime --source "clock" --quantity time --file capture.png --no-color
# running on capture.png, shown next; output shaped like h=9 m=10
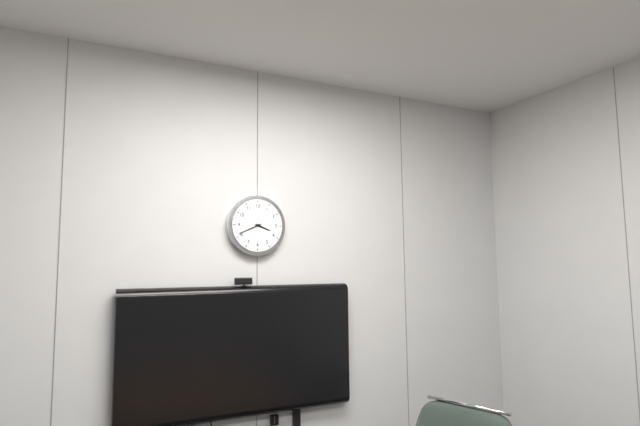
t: h=3 m=41
